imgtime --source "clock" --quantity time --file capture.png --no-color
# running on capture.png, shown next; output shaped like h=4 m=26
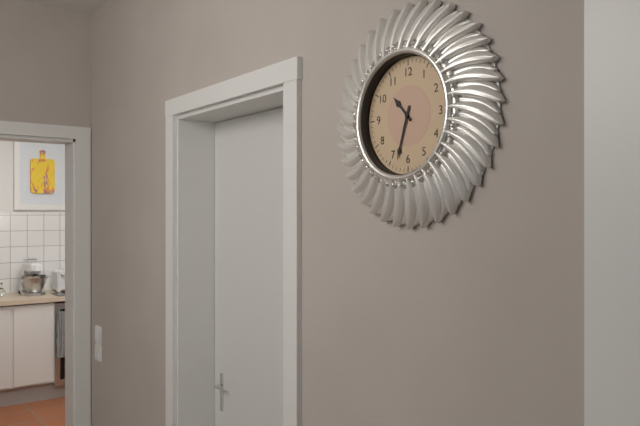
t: h=10 m=33
